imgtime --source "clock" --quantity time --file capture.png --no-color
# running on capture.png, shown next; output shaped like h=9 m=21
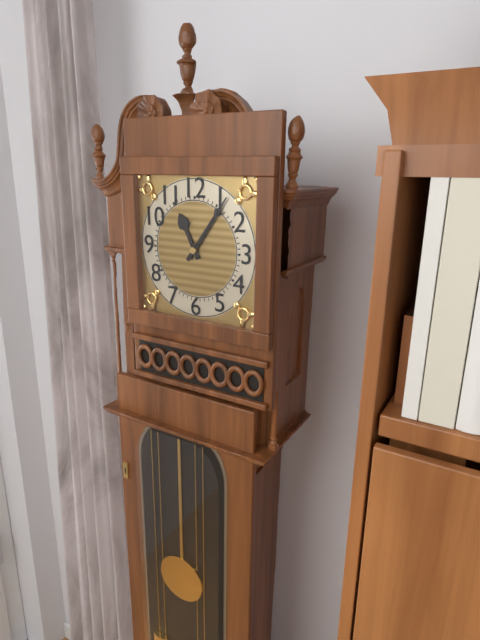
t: h=11 m=6
